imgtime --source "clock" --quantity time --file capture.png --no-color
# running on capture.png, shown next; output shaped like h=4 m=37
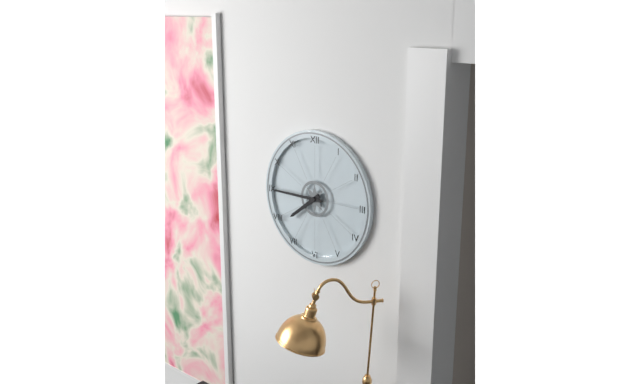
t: h=7 m=45
